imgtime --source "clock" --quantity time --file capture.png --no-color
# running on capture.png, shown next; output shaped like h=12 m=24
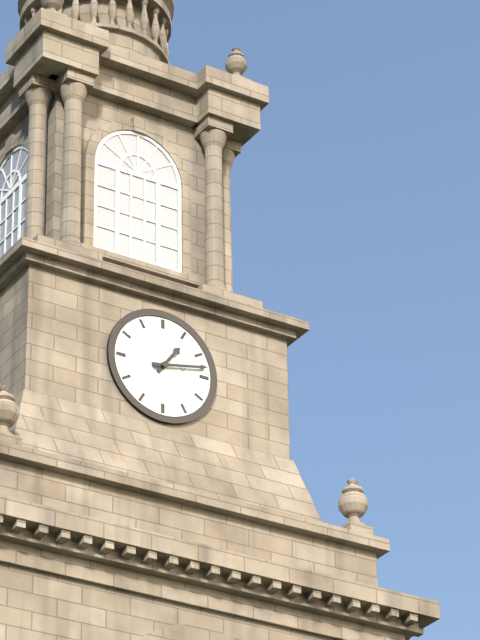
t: h=1 m=13
